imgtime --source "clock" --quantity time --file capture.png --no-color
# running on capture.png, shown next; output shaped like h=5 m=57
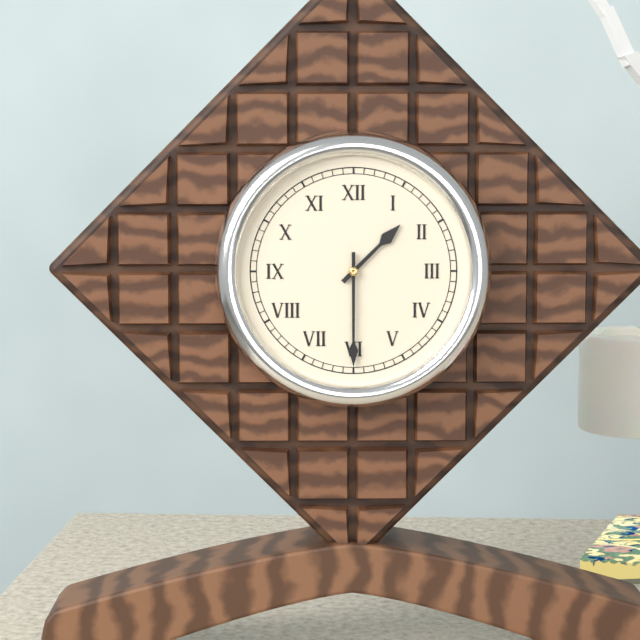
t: h=1 m=30
